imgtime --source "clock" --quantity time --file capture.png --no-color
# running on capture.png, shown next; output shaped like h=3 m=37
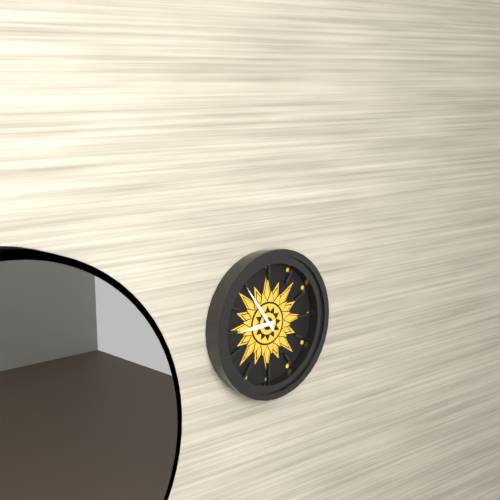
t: h=8 m=54
